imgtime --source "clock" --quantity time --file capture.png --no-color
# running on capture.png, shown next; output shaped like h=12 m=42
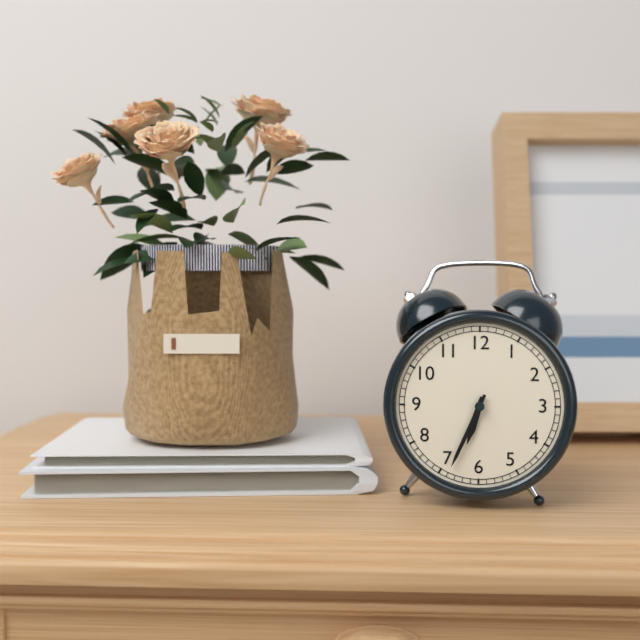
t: h=6 m=34
